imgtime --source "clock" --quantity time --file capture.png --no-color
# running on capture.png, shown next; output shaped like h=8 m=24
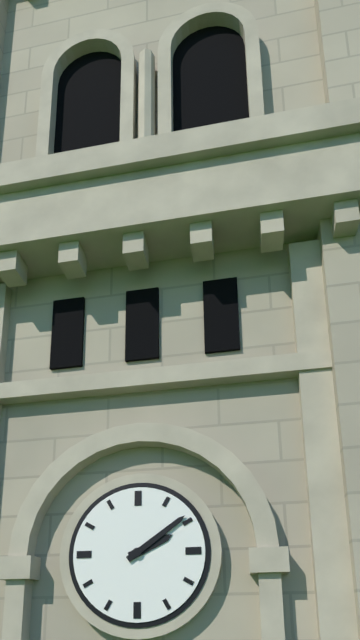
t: h=2 m=9
